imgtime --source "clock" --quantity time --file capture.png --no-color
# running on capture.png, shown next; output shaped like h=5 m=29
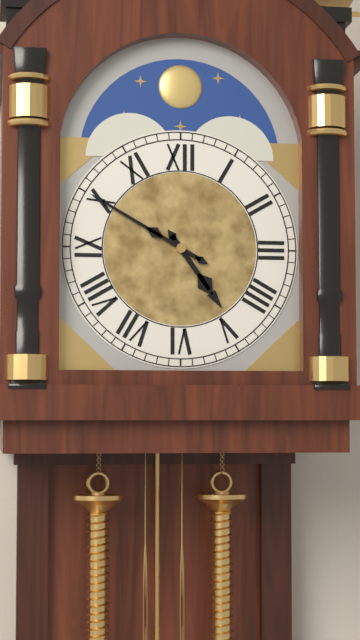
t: h=4 m=50
